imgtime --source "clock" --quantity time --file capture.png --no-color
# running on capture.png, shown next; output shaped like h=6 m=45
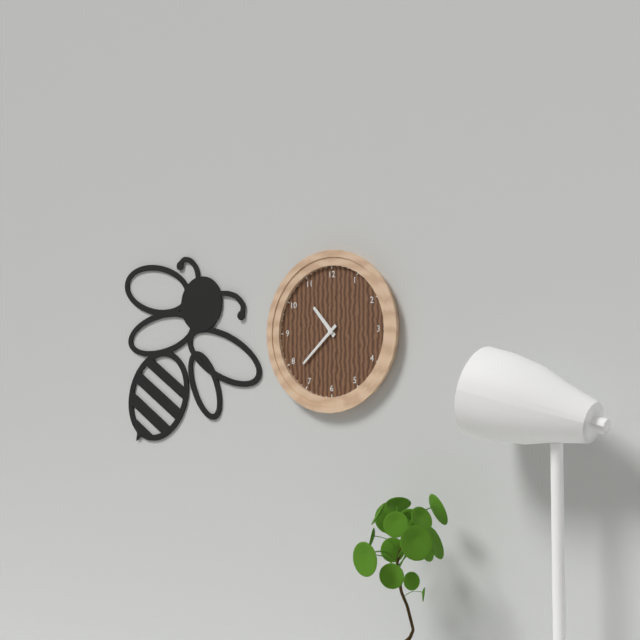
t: h=10 m=38
